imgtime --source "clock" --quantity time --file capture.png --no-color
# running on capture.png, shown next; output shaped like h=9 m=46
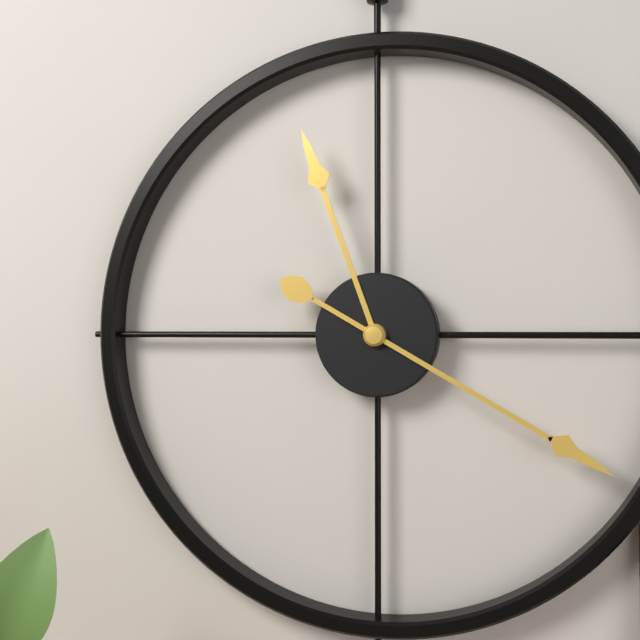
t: h=11 m=20
